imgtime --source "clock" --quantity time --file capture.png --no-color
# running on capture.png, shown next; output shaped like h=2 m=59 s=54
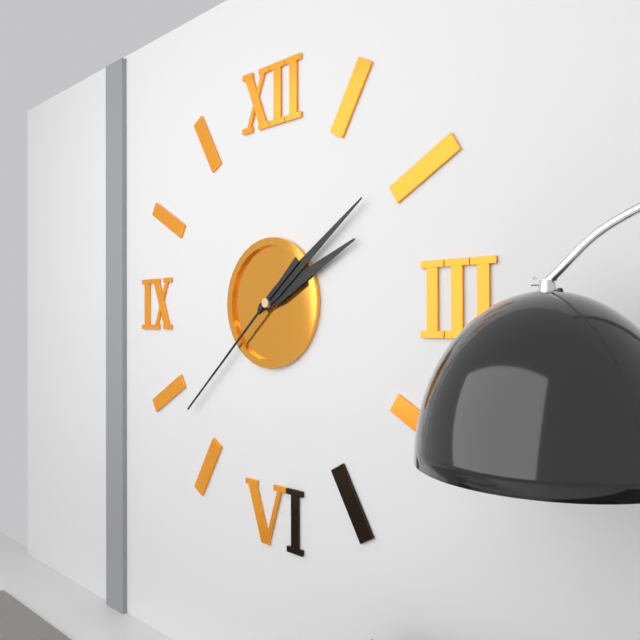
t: h=2 m=9 s=38
